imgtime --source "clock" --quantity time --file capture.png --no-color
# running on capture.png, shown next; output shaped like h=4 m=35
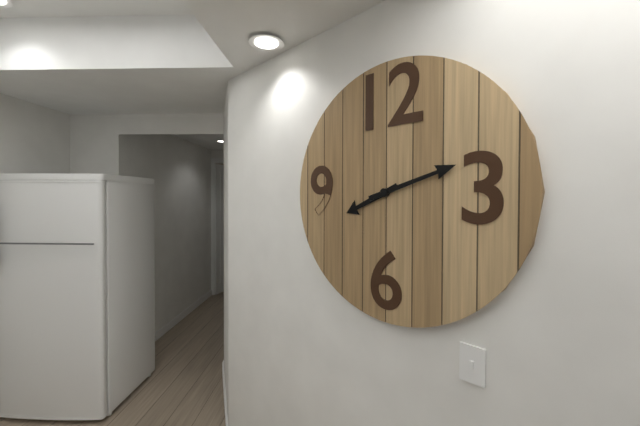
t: h=8 m=12
